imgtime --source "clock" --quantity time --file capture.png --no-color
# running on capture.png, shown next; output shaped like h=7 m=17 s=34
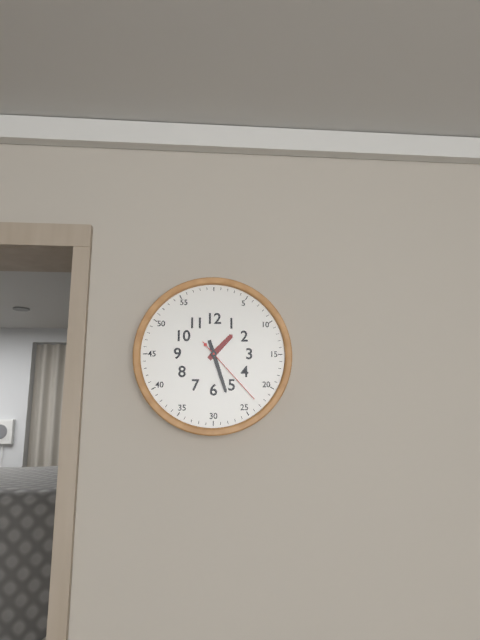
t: h=1 m=27 s=23
